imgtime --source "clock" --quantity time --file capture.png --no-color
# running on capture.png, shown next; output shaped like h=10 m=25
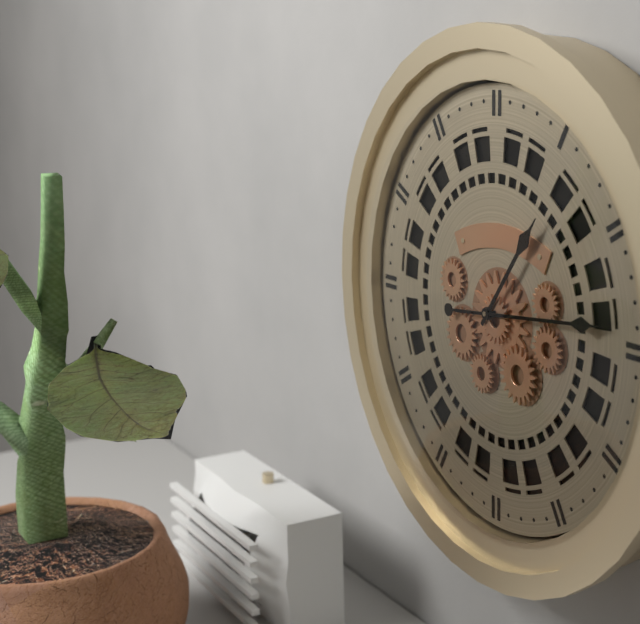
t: h=1 m=14
